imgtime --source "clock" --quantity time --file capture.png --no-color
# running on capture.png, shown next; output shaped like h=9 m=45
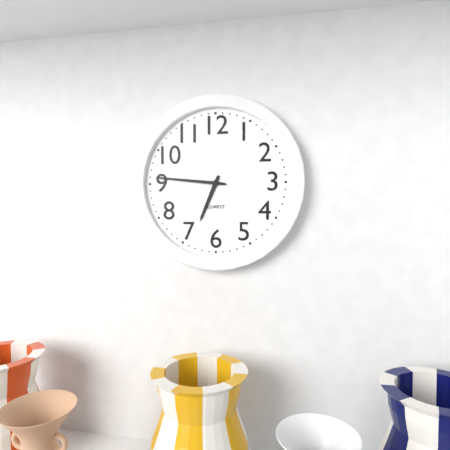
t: h=6 m=46
